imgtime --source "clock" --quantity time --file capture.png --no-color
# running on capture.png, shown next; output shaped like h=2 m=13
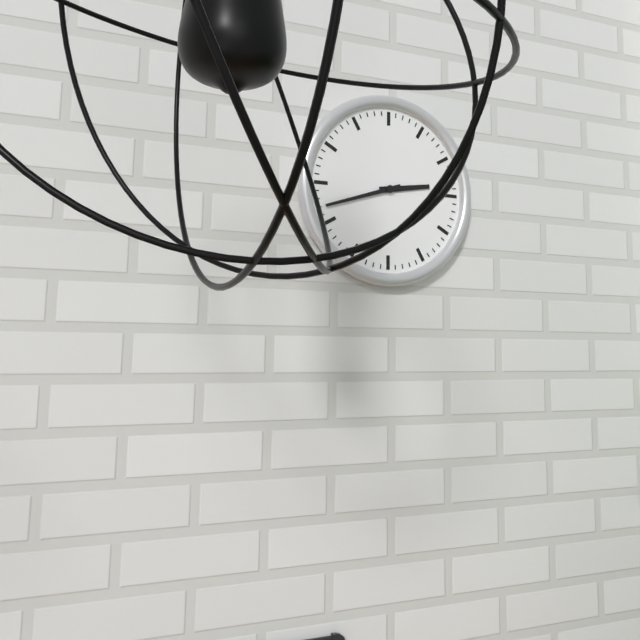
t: h=2 m=42
